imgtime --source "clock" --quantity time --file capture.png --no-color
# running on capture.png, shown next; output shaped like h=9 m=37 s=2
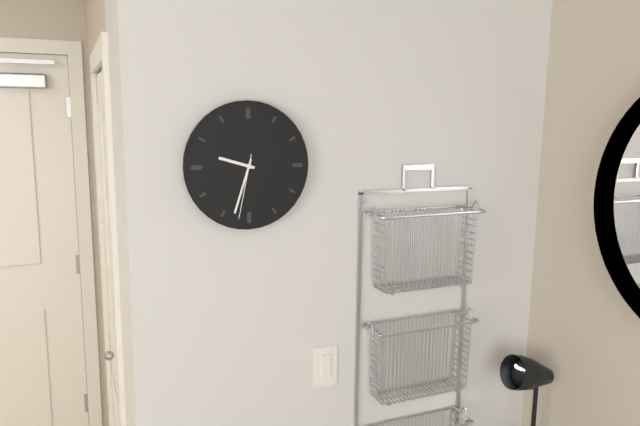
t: h=9 m=33 s=32
